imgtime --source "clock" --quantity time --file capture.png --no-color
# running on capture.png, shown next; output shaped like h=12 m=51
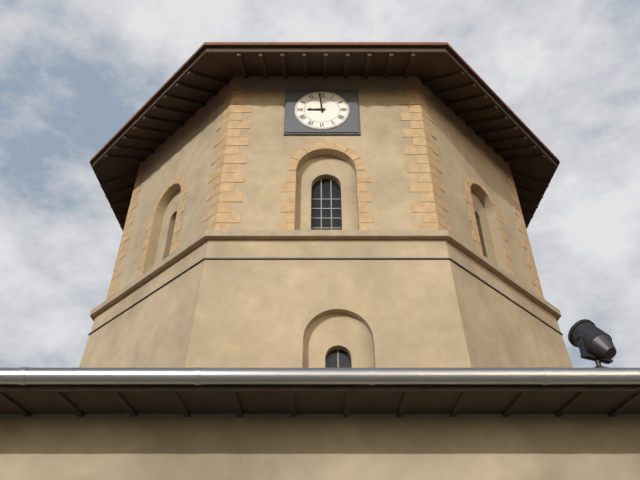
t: h=8 m=59
